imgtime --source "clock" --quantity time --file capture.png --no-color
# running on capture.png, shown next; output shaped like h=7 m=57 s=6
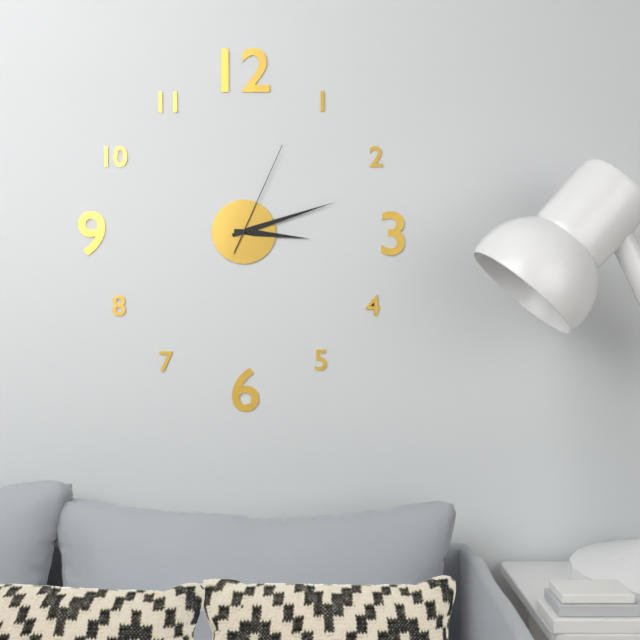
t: h=3 m=12 s=4
